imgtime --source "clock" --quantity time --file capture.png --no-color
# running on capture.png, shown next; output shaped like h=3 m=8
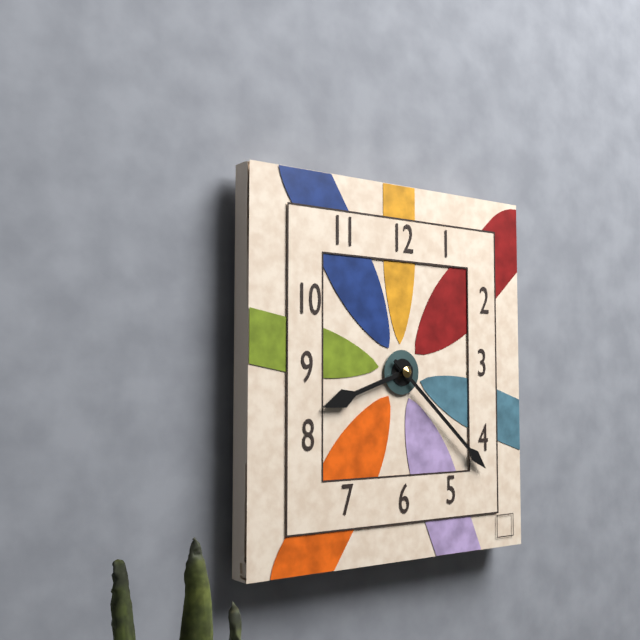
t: h=8 m=22
